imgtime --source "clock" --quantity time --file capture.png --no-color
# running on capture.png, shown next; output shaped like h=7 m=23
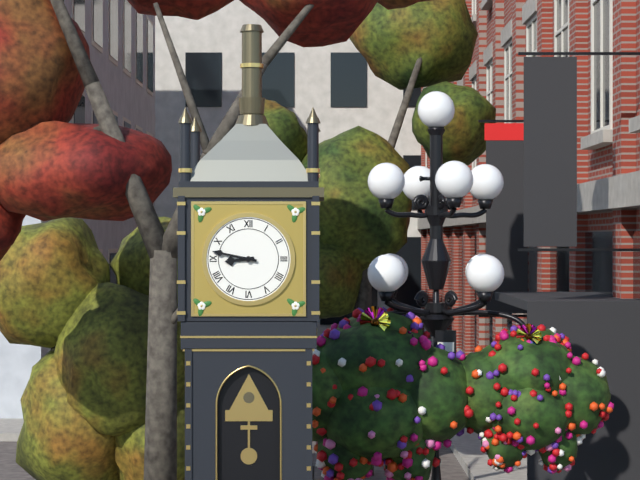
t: h=8 m=47
